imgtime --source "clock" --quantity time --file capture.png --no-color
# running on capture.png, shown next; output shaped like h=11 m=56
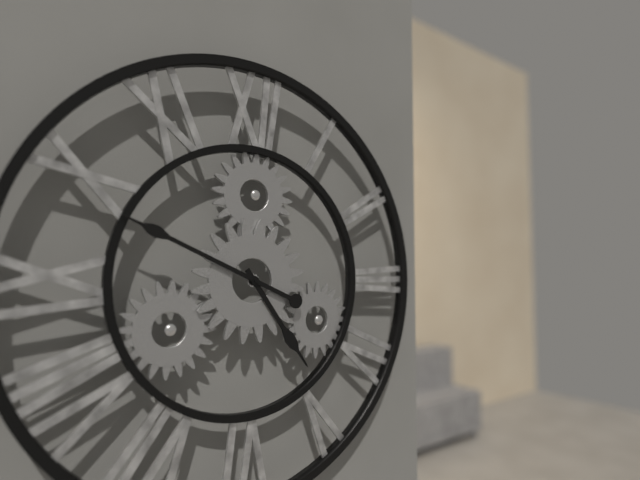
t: h=4 m=49
